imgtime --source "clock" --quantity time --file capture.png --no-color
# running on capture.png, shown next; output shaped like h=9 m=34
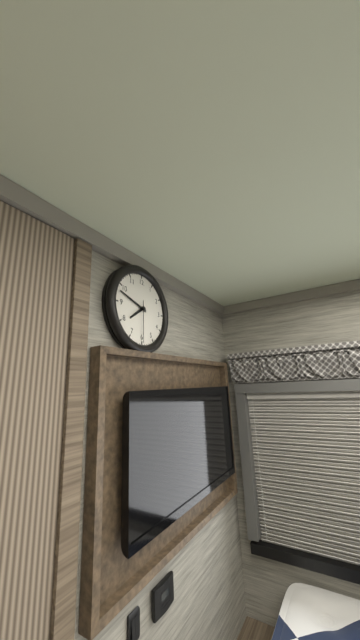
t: h=7 m=48
